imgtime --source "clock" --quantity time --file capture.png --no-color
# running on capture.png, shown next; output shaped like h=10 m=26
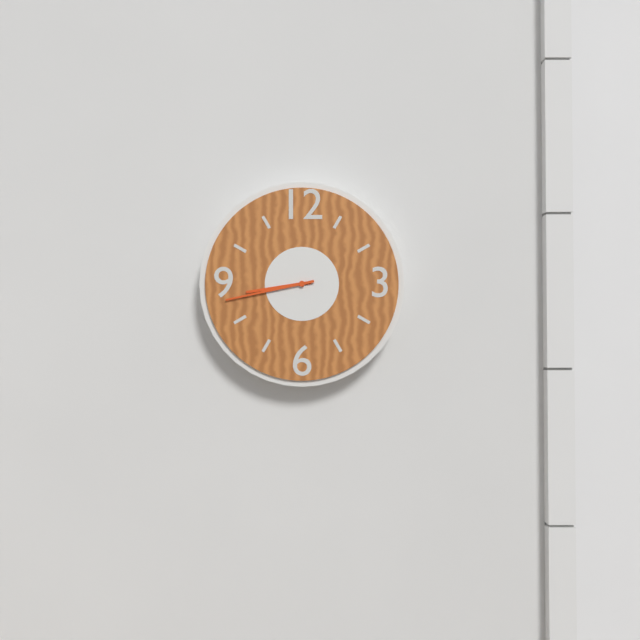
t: h=8 m=43
